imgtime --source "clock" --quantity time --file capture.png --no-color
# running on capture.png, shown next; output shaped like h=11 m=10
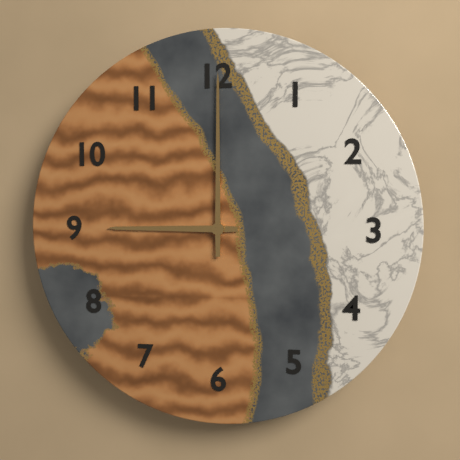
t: h=9 m=0
